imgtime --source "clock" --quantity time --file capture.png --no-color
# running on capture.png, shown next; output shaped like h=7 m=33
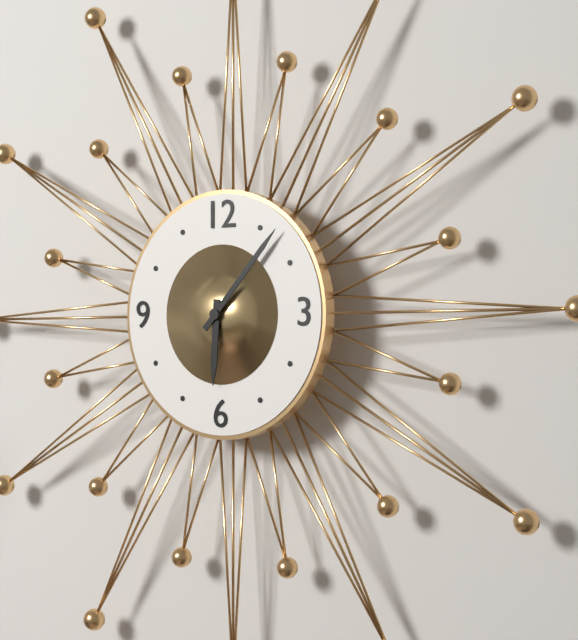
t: h=6 m=7
